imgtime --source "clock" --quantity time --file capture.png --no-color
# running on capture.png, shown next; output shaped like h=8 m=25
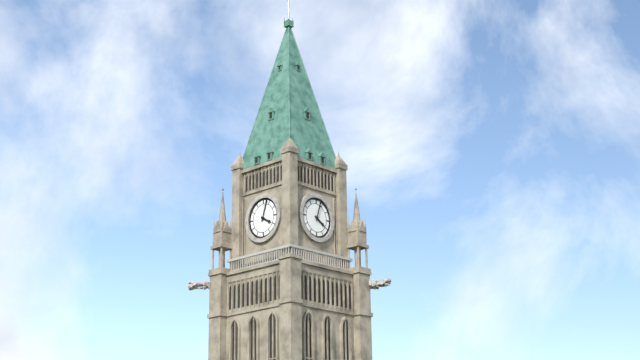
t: h=4 m=3
